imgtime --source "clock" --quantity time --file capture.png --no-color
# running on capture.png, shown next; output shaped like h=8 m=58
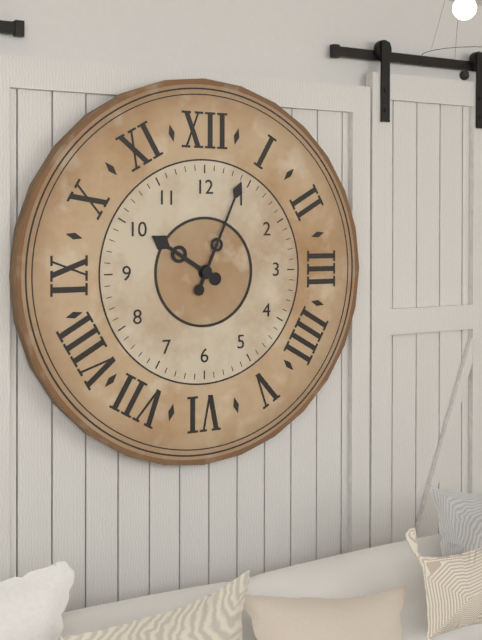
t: h=10 m=4
